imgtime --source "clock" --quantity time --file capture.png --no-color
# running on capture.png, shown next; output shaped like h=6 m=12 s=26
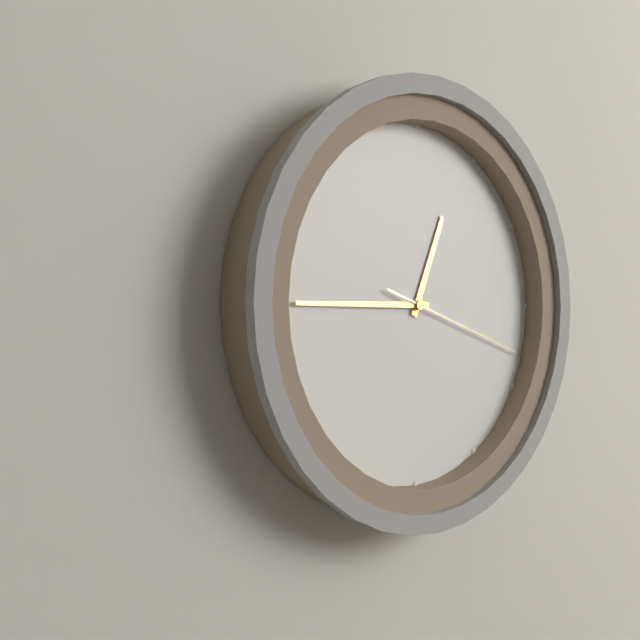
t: h=12 m=45 s=18
